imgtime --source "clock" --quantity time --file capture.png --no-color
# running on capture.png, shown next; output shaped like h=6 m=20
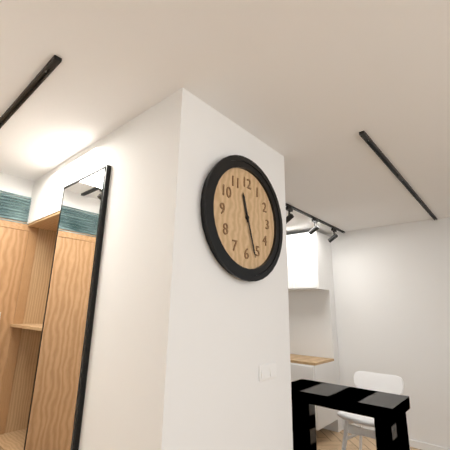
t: h=11 m=27
